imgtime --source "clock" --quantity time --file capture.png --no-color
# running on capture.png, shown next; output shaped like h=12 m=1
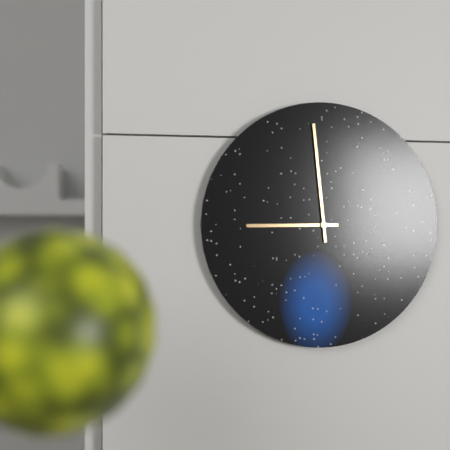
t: h=8 m=59
